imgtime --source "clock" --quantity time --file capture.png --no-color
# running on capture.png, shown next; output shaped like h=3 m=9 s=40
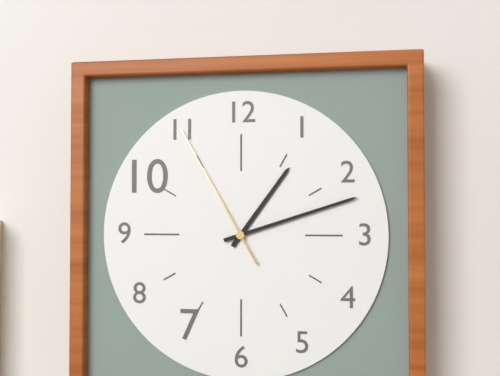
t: h=1 m=12 s=55
